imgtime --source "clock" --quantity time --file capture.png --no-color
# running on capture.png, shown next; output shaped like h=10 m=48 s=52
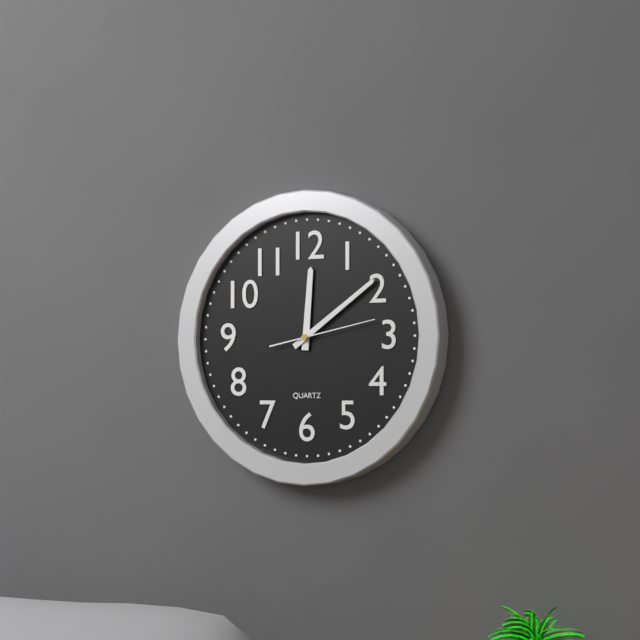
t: h=12 m=9 s=13
